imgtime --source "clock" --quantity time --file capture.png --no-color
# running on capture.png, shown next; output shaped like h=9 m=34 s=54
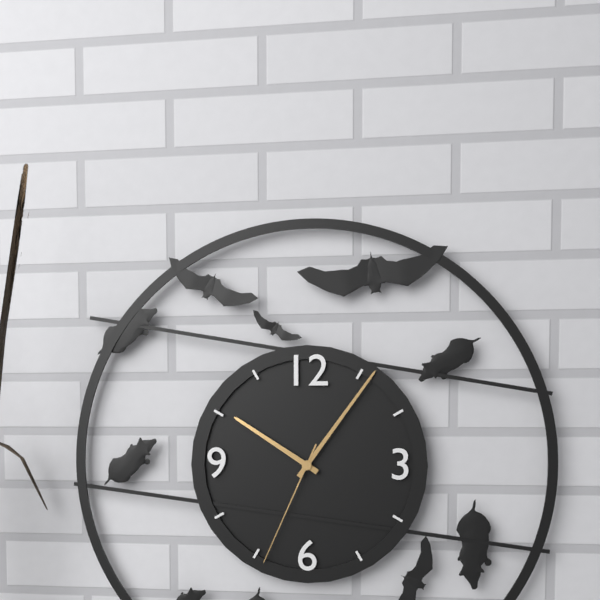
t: h=10 m=6 s=34
